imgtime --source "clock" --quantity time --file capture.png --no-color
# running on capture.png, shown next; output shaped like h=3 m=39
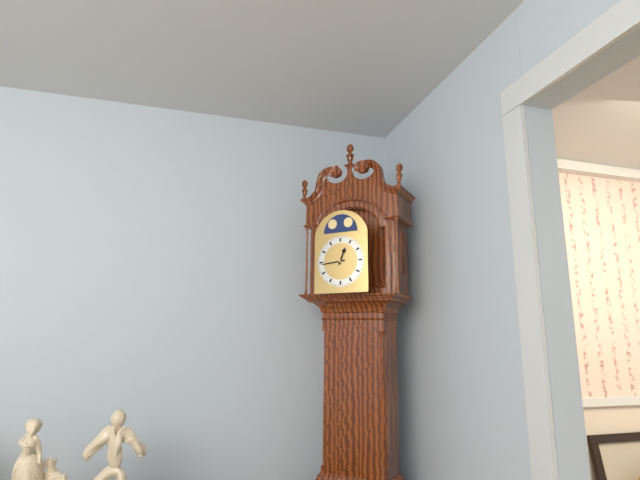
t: h=12 m=44
